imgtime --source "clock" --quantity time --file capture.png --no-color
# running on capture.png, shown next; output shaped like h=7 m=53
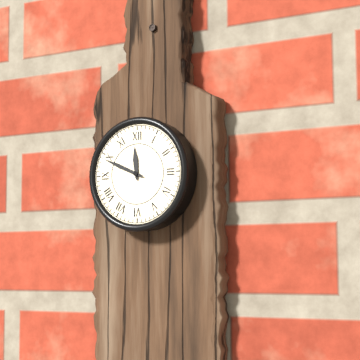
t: h=11 m=49
